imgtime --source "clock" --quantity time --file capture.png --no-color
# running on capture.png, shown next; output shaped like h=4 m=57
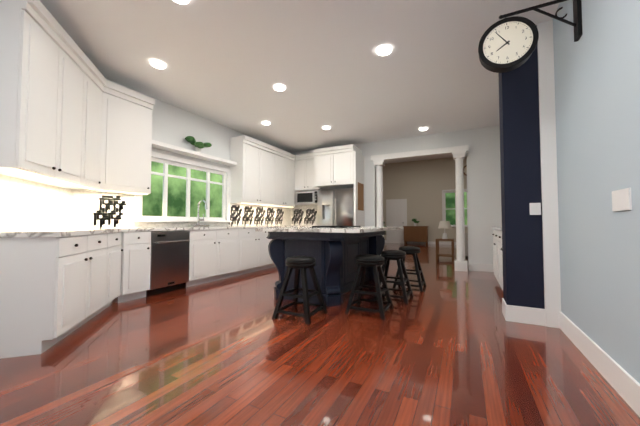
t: h=7 m=54
